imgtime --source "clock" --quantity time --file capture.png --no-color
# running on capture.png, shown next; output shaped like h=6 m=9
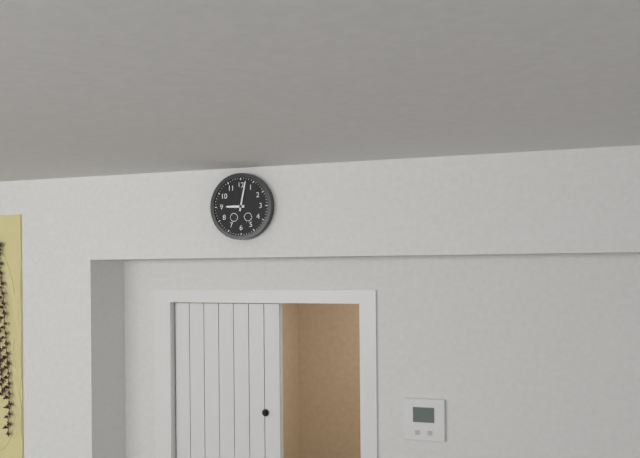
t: h=9 m=2
